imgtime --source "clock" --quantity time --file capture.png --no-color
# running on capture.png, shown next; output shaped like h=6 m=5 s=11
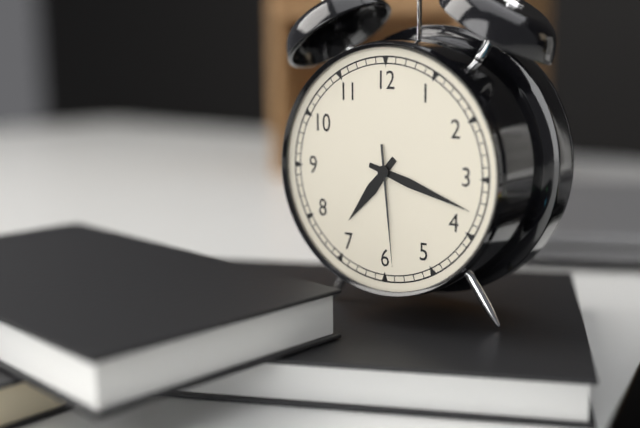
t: h=7 m=18 s=29
